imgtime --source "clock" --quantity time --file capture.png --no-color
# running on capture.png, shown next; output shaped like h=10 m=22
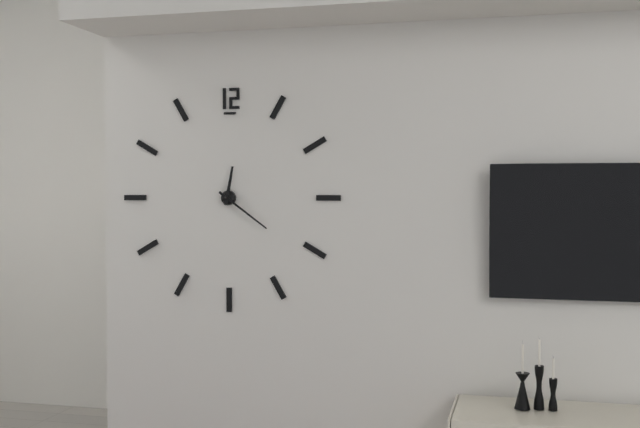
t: h=12 m=21
